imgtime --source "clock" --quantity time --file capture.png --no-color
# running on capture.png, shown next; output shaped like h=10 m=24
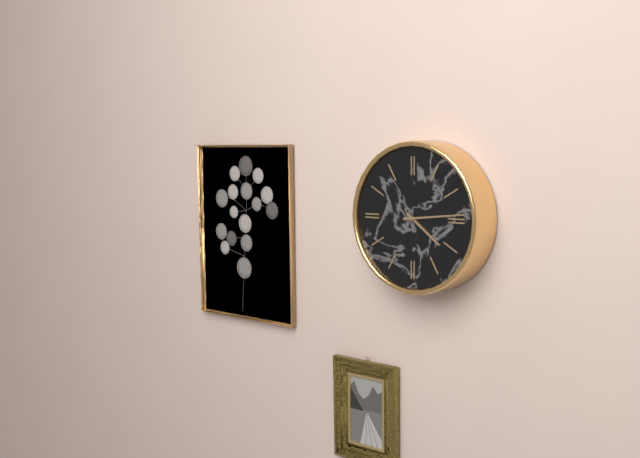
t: h=4 m=14
